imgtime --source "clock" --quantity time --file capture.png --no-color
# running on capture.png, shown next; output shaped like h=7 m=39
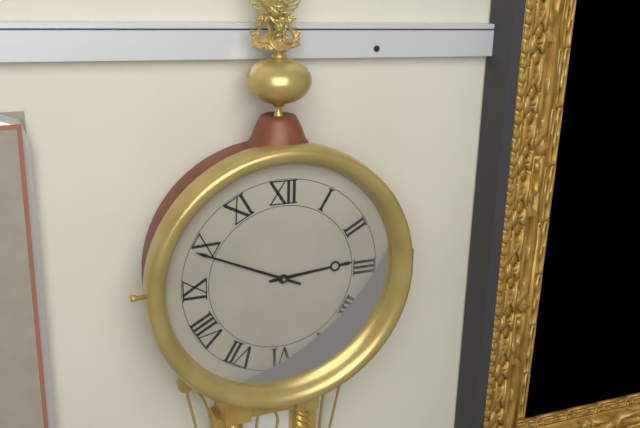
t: h=2 m=49
